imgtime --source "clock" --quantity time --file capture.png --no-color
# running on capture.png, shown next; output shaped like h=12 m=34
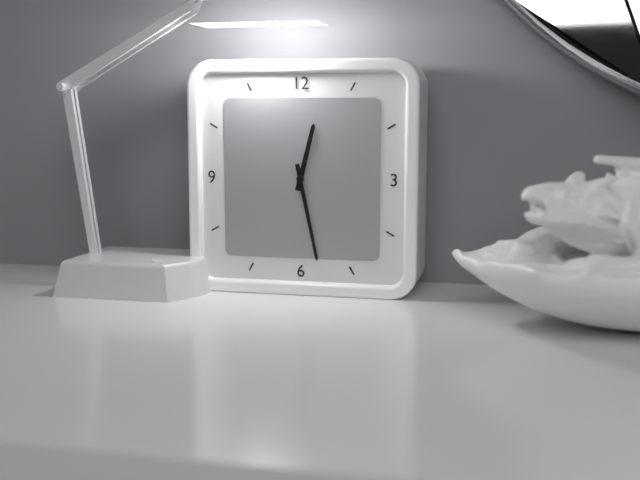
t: h=12 m=28
